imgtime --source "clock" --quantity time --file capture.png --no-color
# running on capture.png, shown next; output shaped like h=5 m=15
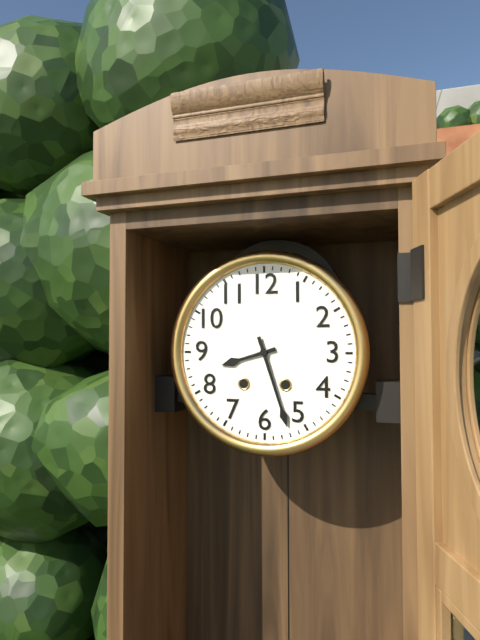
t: h=8 m=27
